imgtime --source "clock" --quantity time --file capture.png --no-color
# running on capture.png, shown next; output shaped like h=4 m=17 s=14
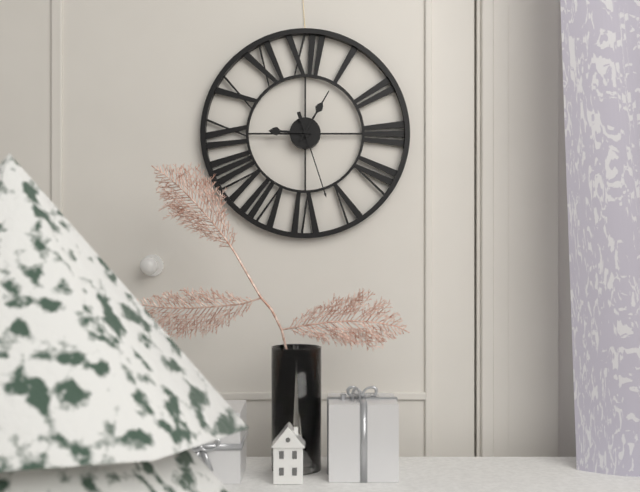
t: h=9 m=5 s=27
